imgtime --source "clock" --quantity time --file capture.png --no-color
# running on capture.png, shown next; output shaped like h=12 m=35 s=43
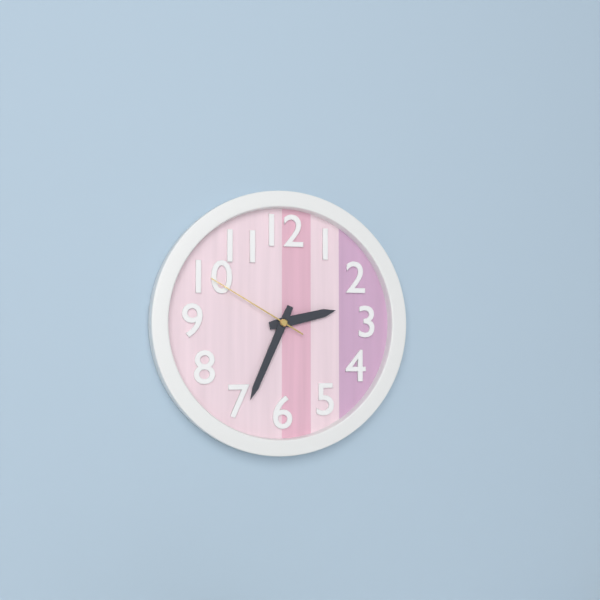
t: h=2 m=34 s=50
